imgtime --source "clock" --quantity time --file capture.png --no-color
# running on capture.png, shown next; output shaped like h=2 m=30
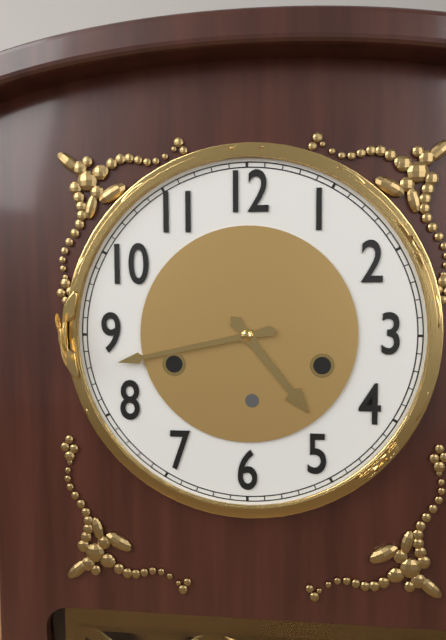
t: h=4 m=43
